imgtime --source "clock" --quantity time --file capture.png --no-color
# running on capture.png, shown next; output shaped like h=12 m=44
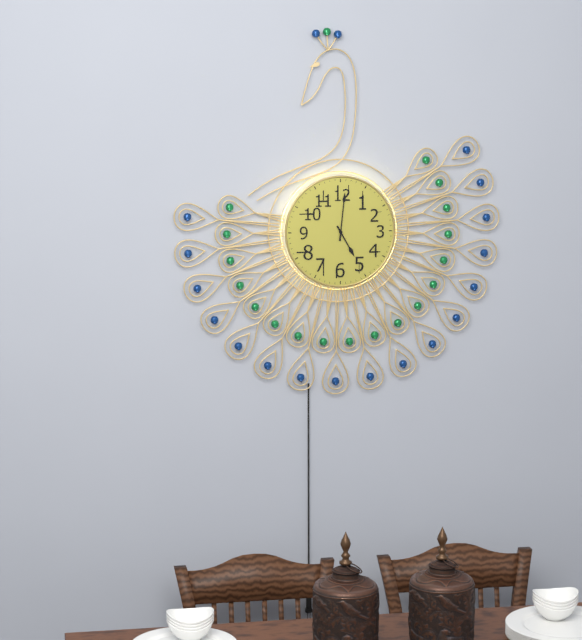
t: h=5 m=1
